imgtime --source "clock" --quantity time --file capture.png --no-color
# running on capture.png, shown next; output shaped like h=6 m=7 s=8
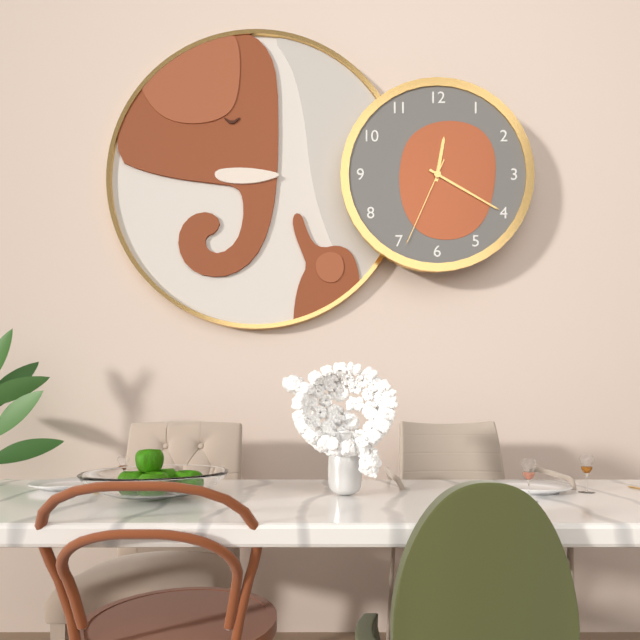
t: h=12 m=20 s=34
